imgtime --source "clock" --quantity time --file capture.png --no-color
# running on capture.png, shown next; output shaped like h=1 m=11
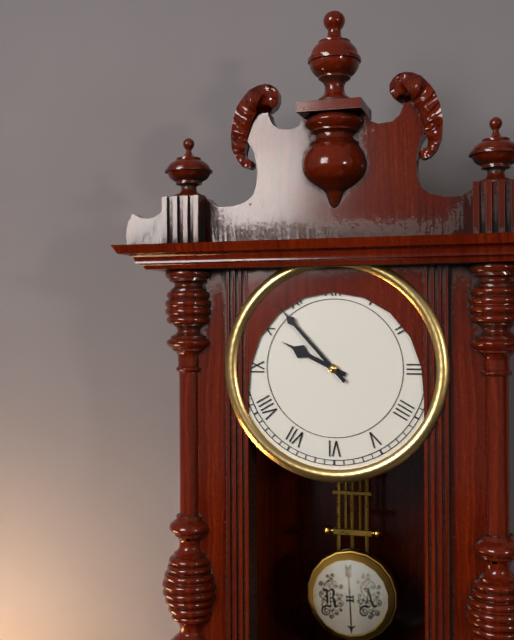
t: h=9 m=53
